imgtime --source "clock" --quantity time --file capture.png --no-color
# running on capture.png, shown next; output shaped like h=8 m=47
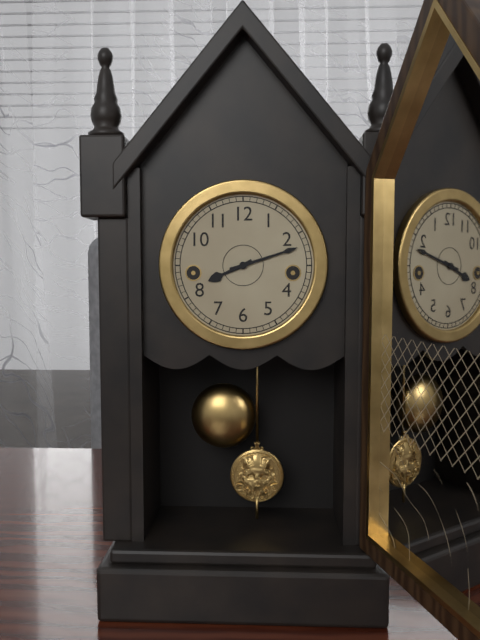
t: h=8 m=12
